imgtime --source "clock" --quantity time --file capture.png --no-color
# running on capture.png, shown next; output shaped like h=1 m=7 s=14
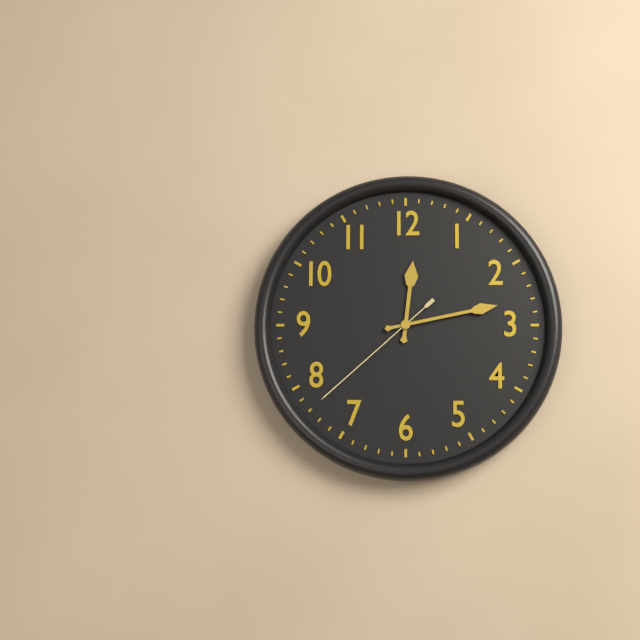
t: h=12 m=13 s=38
